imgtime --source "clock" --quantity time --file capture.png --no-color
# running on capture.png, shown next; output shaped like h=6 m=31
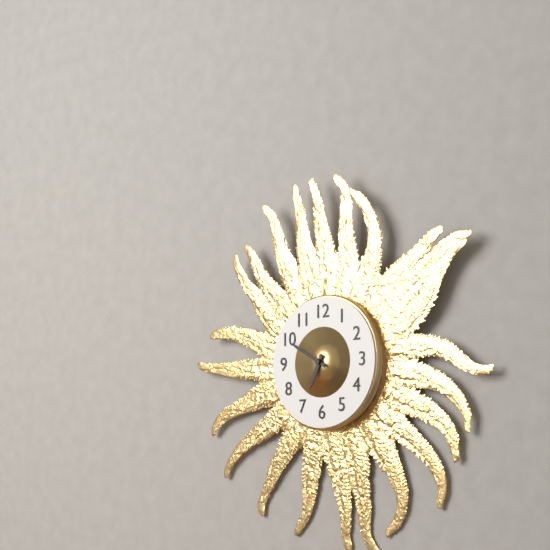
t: h=6 m=50
